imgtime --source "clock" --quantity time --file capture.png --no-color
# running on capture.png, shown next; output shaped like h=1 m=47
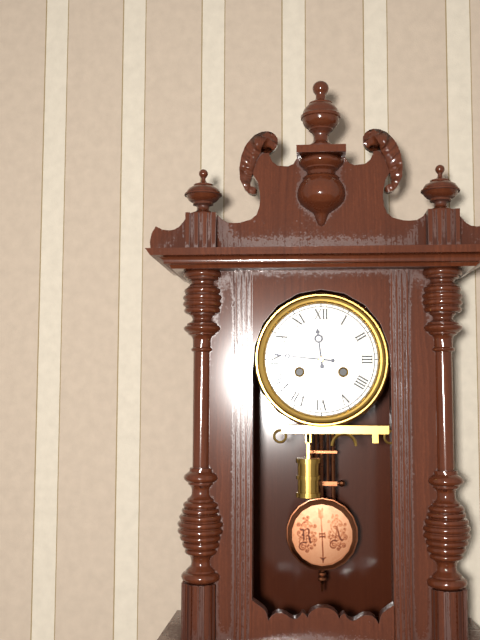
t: h=11 m=46
